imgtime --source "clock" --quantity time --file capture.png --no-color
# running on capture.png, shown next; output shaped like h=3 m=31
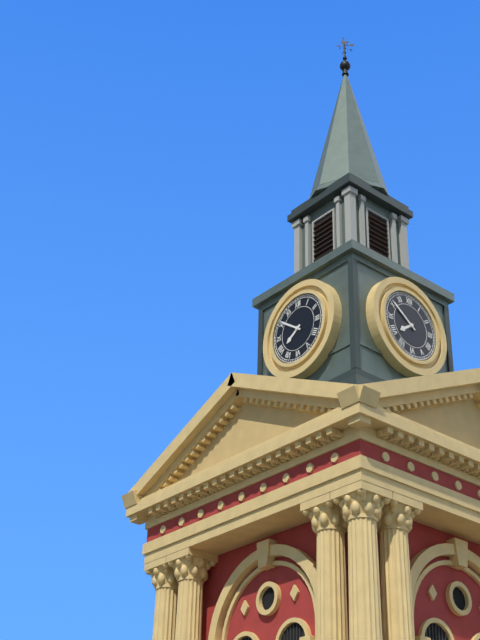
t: h=7 m=51
